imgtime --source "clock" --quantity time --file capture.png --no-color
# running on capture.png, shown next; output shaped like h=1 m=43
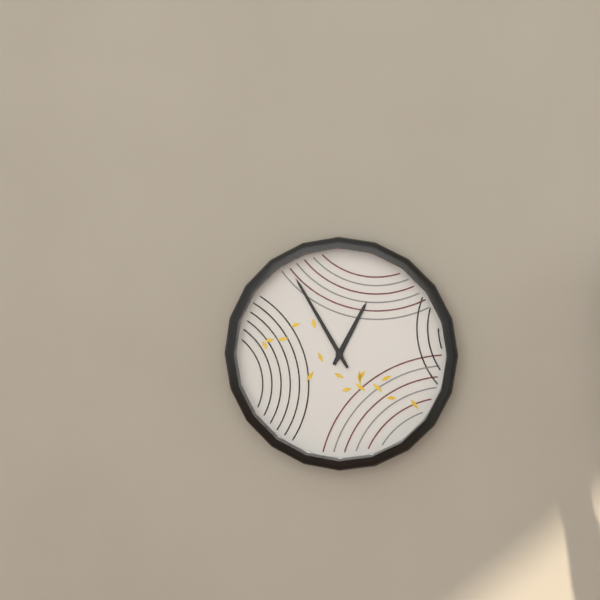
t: h=12 m=55
